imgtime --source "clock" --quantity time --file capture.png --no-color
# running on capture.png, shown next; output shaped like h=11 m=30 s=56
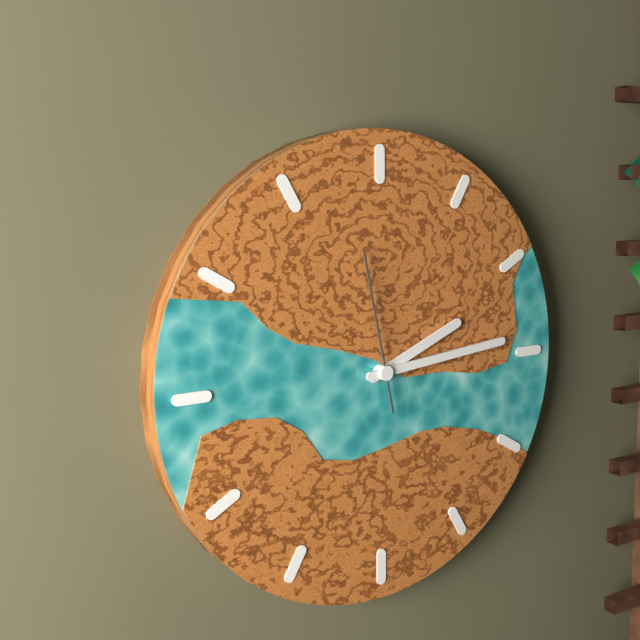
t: h=2 m=14 s=58
